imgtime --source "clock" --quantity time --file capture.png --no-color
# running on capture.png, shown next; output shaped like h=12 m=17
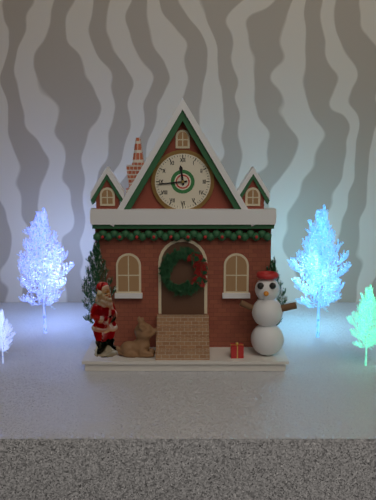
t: h=11 m=44
